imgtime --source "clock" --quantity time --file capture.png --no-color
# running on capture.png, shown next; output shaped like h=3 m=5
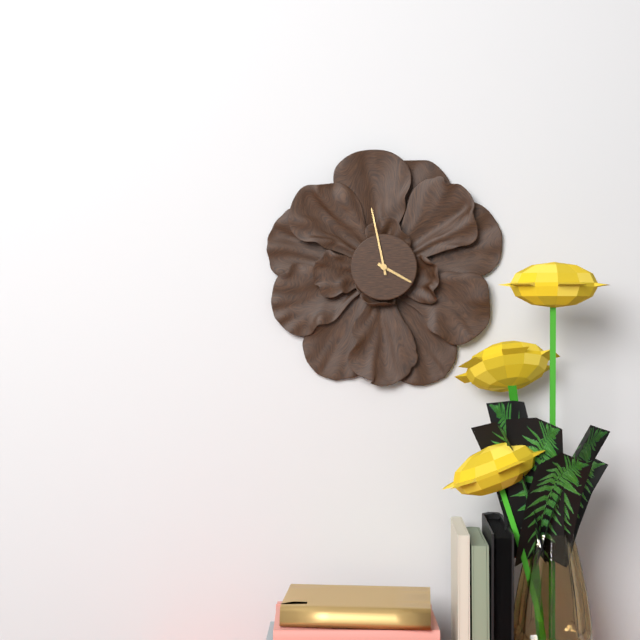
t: h=3 m=58
